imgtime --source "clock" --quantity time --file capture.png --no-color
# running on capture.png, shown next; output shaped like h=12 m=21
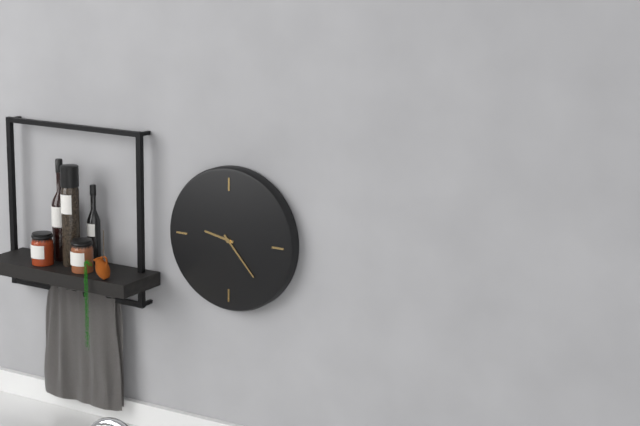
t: h=9 m=23
